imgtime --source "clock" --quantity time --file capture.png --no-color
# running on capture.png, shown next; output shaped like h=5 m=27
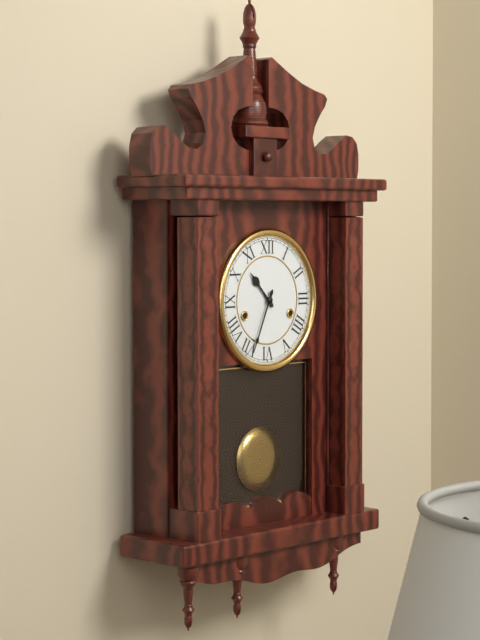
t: h=10 m=34
